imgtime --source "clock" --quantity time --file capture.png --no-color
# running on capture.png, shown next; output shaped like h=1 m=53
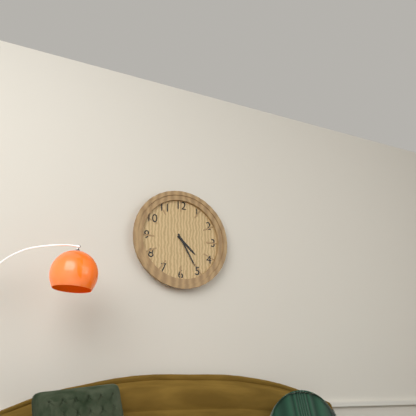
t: h=4 m=25
